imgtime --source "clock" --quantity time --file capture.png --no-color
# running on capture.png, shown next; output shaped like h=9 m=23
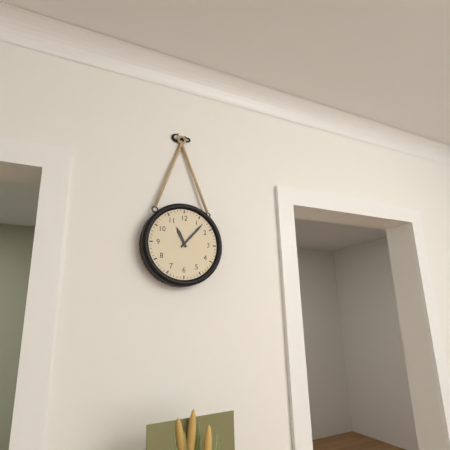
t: h=11 m=7
